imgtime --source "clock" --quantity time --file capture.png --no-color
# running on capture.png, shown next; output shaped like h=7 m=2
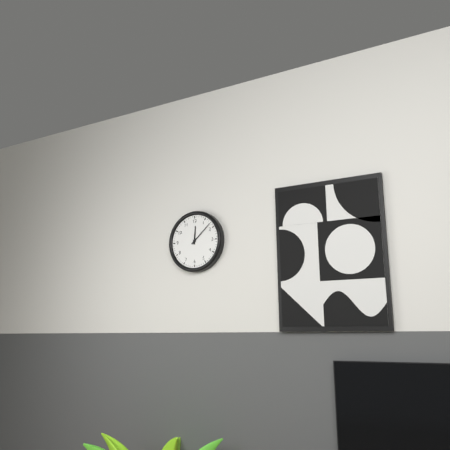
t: h=12 m=8
